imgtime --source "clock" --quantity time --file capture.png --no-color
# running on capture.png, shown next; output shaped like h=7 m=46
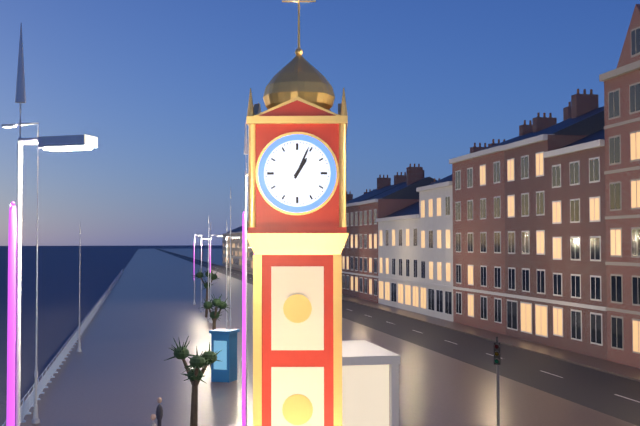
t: h=1 m=4
